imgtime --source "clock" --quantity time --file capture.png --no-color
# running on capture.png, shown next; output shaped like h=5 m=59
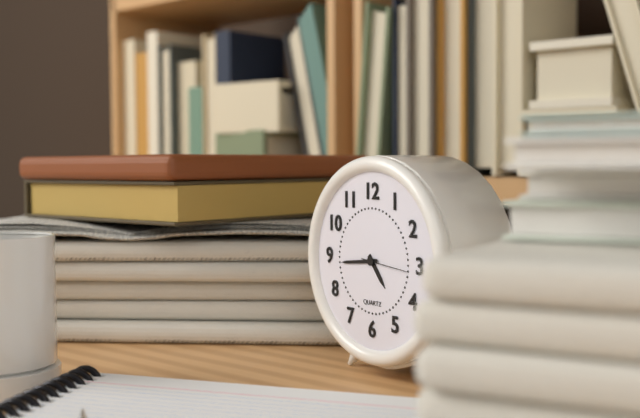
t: h=4 m=44
